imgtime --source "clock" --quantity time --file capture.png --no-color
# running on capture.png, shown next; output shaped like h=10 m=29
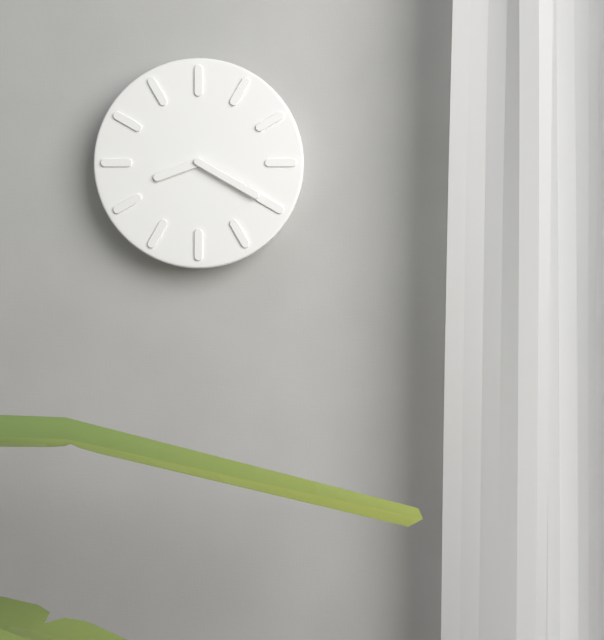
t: h=8 m=20
